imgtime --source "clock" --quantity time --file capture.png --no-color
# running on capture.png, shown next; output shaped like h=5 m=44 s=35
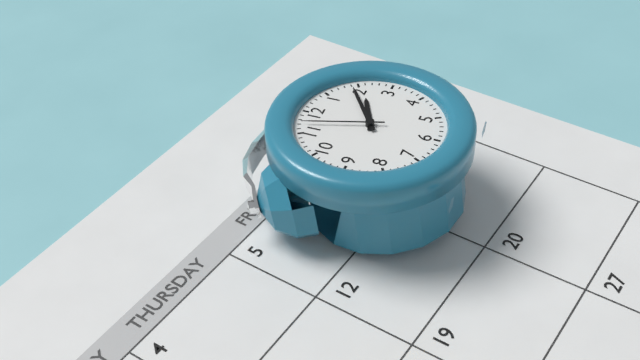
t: h=2 m=9 s=57
